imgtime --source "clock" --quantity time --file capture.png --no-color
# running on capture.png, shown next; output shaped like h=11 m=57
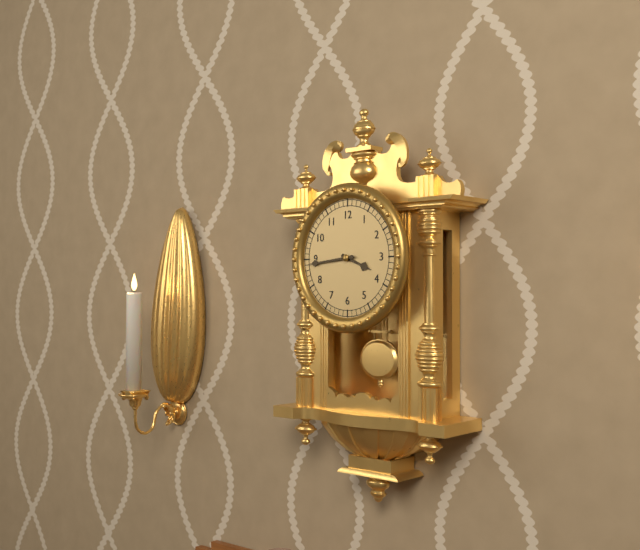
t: h=3 m=44
